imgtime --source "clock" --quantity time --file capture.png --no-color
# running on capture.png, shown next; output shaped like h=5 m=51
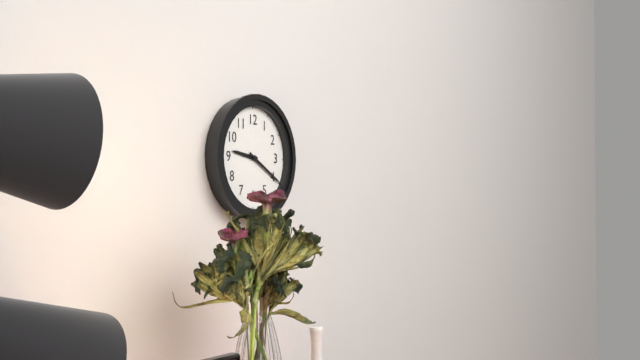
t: h=9 m=20
